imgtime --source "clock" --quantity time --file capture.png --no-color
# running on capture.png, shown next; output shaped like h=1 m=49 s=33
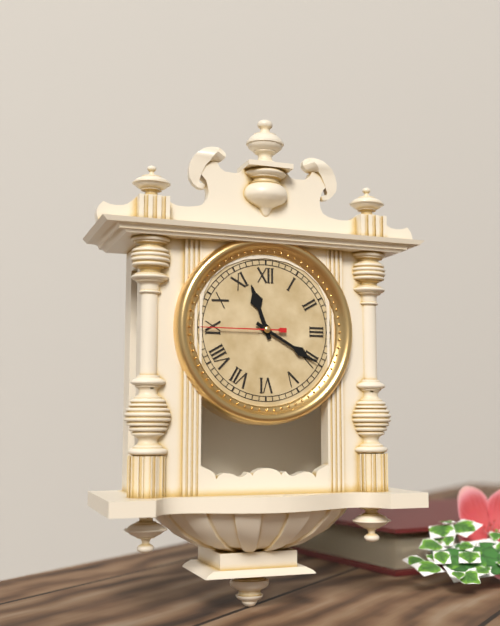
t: h=11 m=20 s=45
